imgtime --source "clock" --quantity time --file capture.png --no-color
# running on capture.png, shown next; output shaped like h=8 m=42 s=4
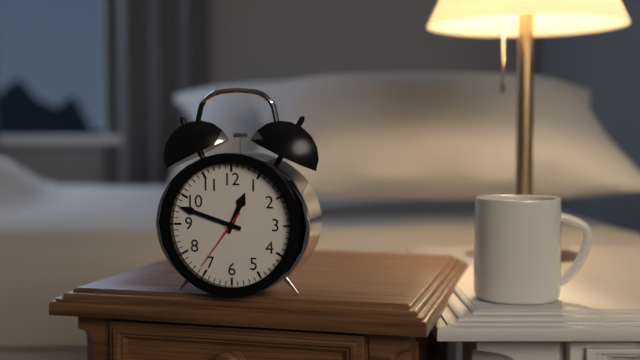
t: h=12 m=48 s=36
